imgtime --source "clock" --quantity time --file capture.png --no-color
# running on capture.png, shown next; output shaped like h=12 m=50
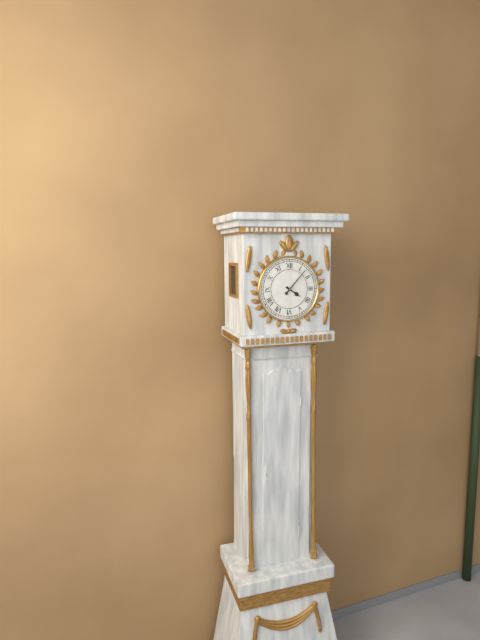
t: h=4 m=7
